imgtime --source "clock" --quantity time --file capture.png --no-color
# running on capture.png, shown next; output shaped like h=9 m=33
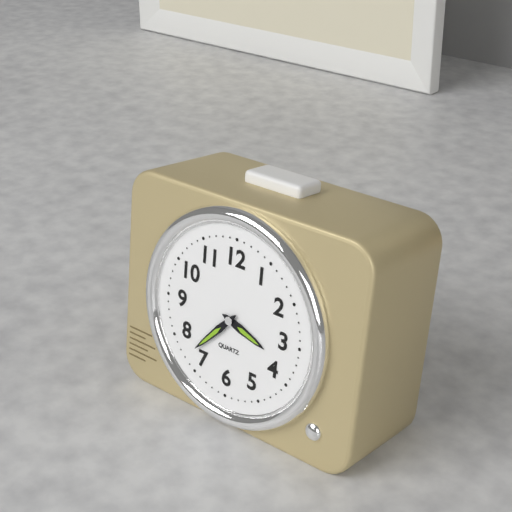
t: h=3 m=37
